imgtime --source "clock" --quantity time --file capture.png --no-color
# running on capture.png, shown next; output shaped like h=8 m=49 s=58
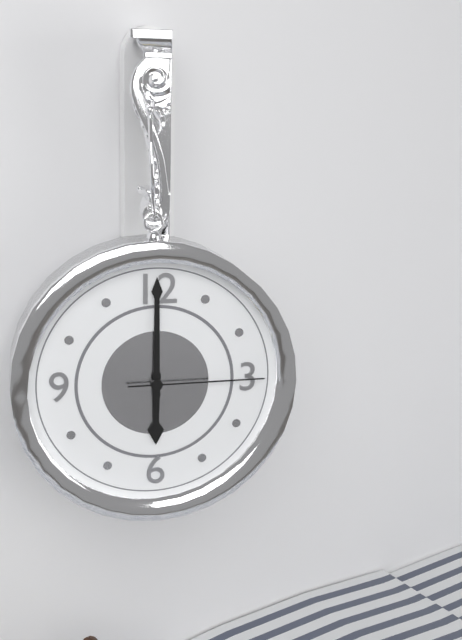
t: h=6 m=0 s=15
